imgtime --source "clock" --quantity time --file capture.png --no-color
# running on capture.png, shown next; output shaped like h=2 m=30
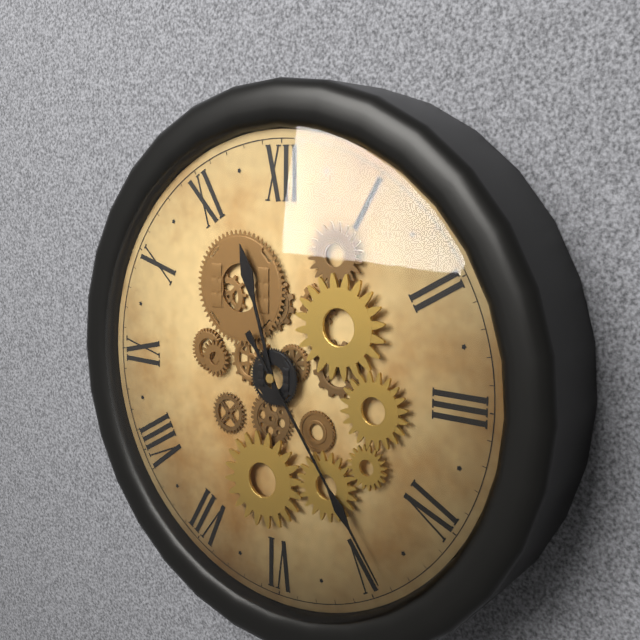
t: h=11 m=24
